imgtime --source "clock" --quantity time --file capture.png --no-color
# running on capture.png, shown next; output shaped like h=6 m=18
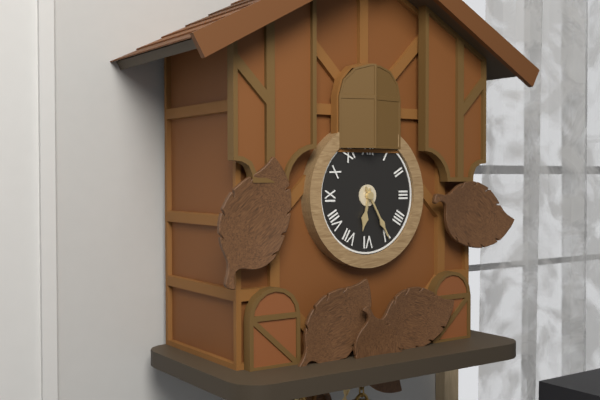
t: h=6 m=25
